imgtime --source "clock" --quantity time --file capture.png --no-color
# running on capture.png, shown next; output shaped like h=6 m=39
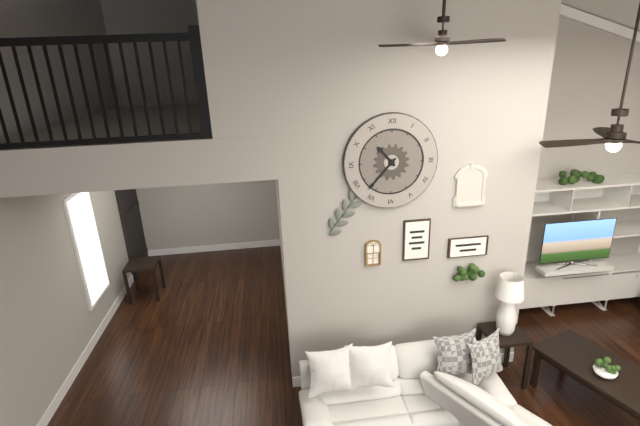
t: h=10 m=37
